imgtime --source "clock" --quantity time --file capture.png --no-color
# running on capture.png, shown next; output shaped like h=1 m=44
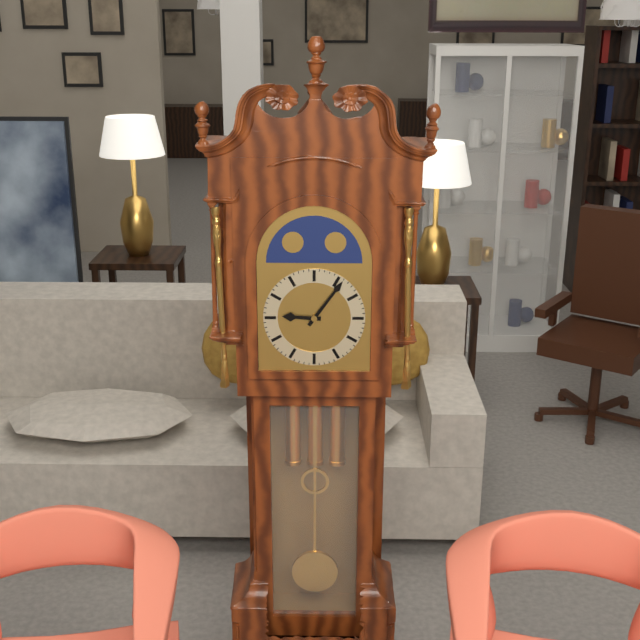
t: h=9 m=6
